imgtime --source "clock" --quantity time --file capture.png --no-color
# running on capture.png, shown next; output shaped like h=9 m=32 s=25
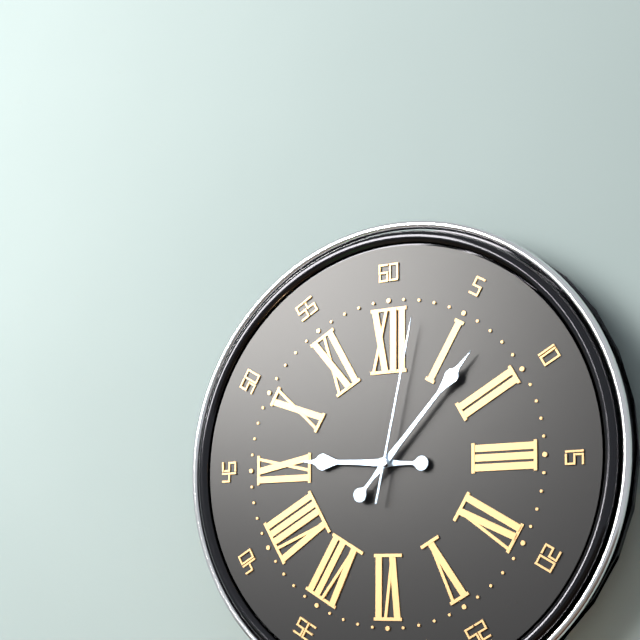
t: h=9 m=7 s=2
